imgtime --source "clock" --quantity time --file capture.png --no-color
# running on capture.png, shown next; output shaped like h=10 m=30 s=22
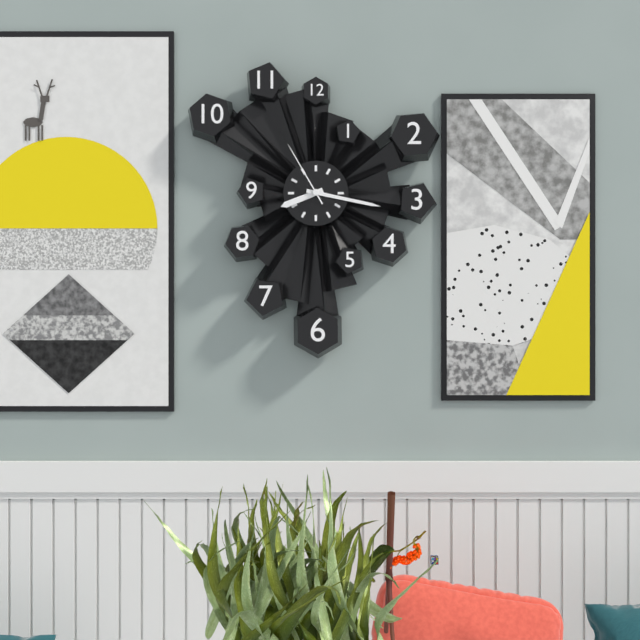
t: h=8 m=17 s=55
